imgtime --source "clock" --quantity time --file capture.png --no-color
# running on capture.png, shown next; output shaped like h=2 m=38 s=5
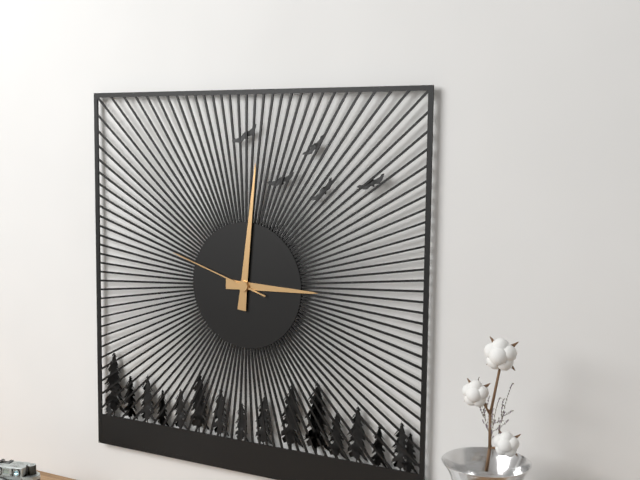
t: h=3 m=1 s=48
